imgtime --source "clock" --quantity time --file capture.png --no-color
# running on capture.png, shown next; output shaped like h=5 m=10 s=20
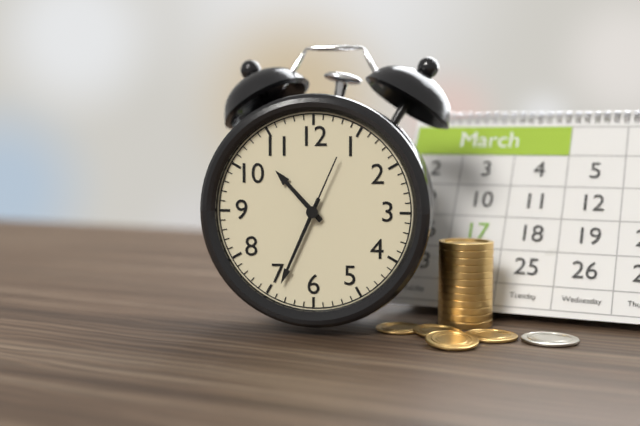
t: h=10 m=34 s=4
